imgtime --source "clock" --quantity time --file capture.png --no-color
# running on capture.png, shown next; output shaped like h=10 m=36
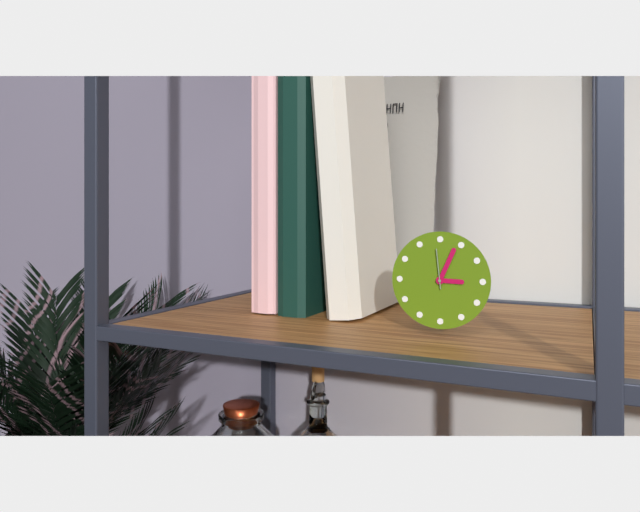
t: h=3 m=4
